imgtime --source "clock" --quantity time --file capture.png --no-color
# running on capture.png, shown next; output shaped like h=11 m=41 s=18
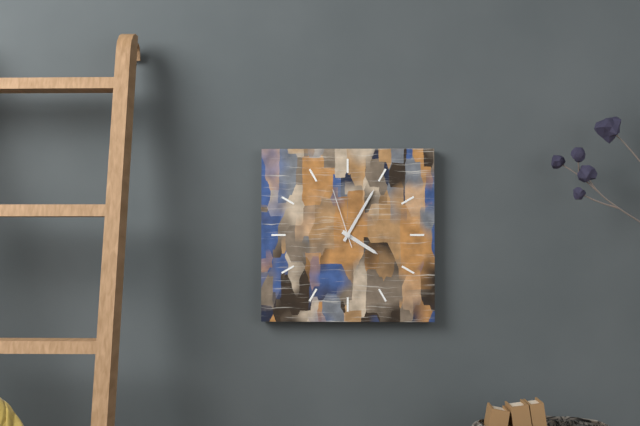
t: h=4 m=5 s=57
